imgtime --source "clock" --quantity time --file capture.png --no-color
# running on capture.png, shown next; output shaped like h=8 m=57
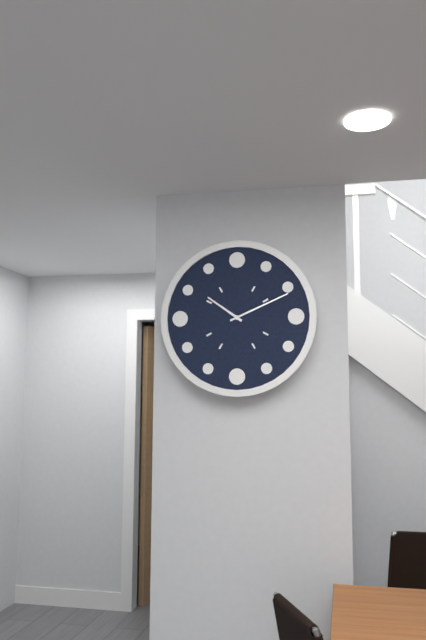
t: h=10 m=11
